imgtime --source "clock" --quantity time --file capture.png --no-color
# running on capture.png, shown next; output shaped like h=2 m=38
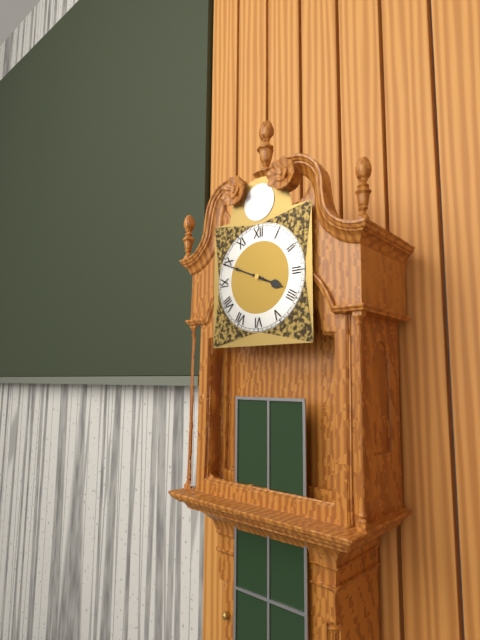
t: h=3 m=49
